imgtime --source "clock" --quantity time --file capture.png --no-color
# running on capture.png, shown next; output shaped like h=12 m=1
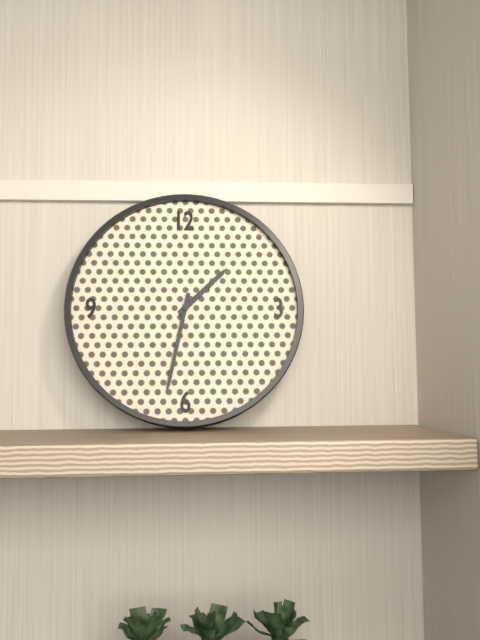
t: h=1 m=32
